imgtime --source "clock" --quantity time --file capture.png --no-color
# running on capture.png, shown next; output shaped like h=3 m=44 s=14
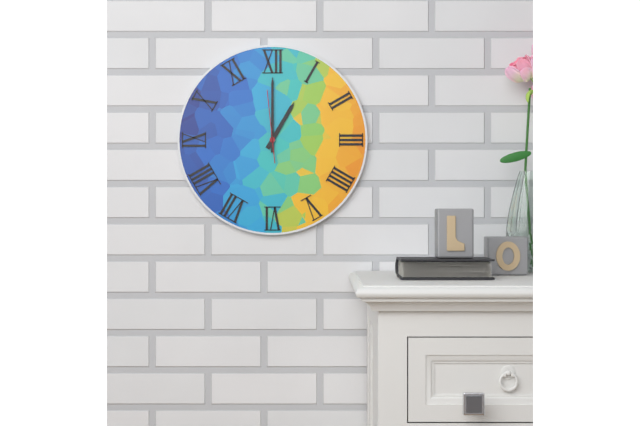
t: h=1 m=0 s=59
